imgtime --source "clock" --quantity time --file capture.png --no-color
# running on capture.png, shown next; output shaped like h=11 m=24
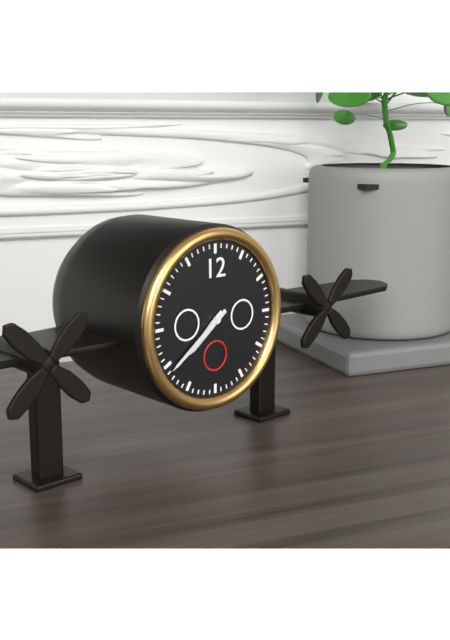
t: h=7 m=39
